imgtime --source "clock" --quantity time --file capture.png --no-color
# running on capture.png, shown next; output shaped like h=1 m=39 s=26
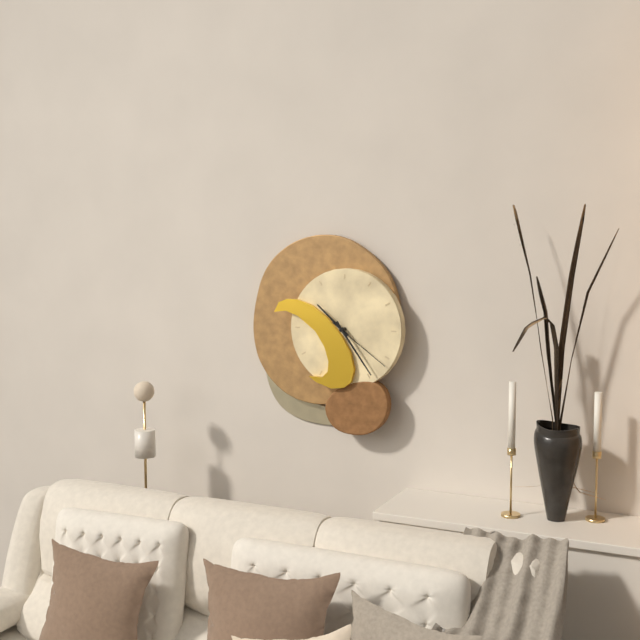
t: h=10 m=24 s=21
